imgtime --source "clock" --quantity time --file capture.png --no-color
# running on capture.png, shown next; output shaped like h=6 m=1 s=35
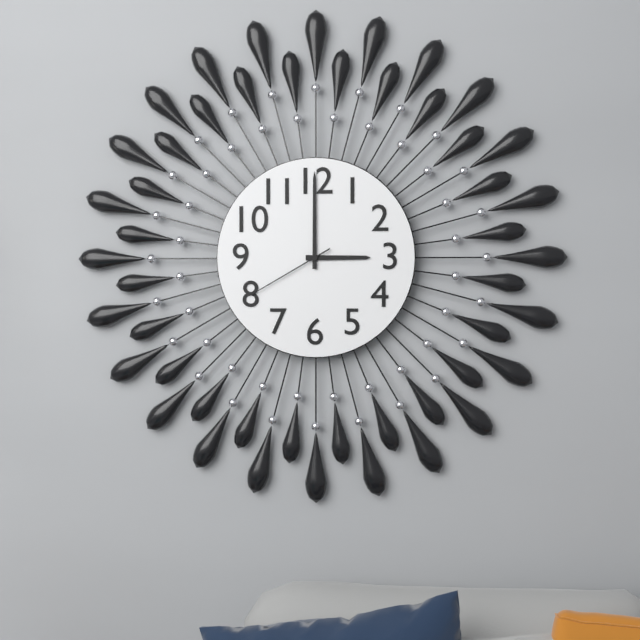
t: h=3 m=0 s=40
